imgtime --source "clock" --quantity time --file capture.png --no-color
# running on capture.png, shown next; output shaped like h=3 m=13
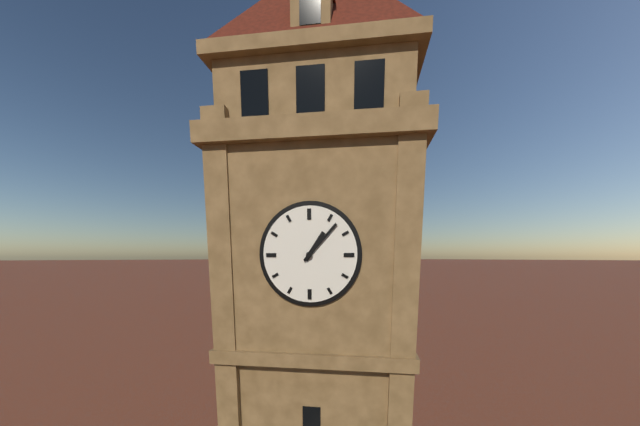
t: h=1 m=7
